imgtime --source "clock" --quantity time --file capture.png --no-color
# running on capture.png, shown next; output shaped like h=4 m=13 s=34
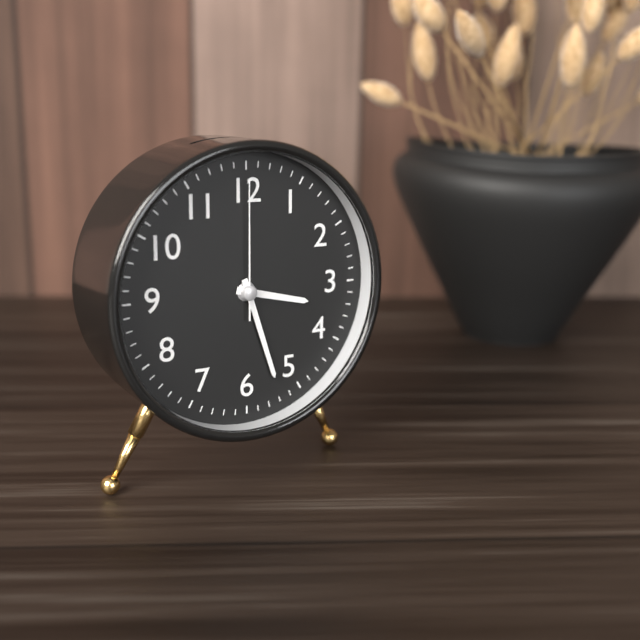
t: h=3 m=27 s=0
